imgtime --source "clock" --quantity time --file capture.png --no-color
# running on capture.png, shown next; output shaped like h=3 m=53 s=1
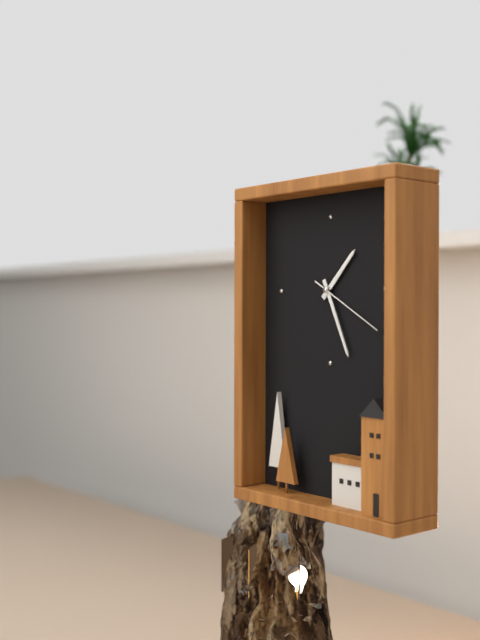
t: h=1 m=26 s=20
